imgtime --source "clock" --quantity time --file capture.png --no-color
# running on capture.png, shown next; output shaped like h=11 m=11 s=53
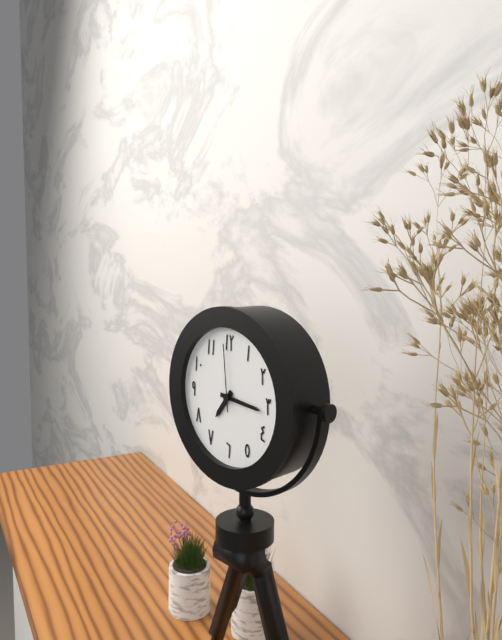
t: h=7 m=16 s=59
